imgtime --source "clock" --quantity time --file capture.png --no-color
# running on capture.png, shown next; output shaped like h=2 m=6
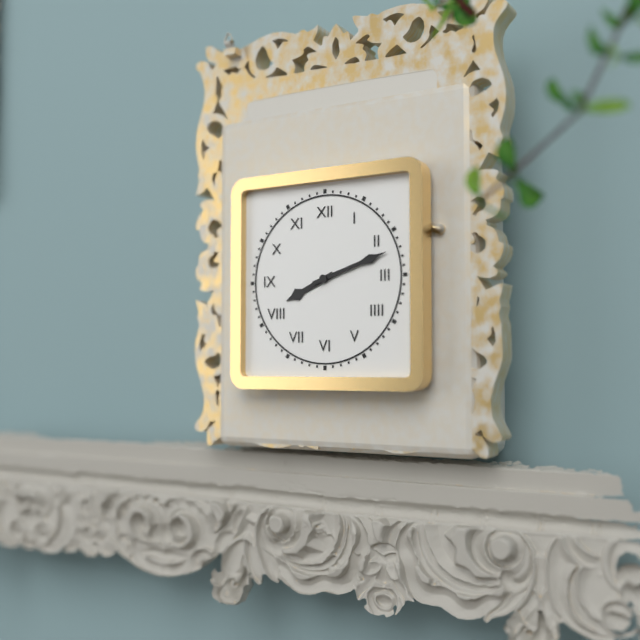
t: h=8 m=12
